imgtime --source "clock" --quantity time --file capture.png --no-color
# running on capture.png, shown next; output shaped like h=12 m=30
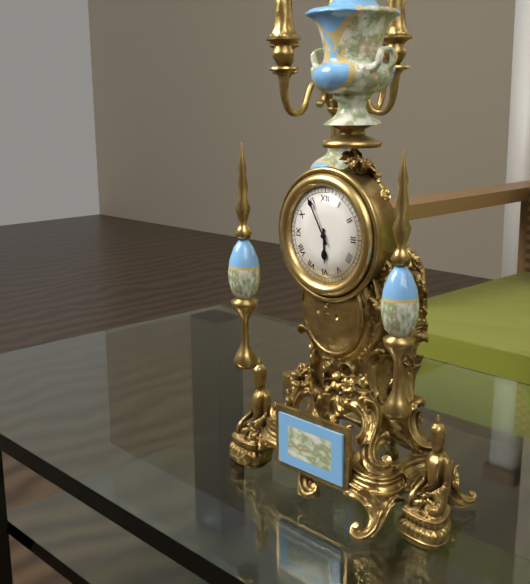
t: h=5 m=55
